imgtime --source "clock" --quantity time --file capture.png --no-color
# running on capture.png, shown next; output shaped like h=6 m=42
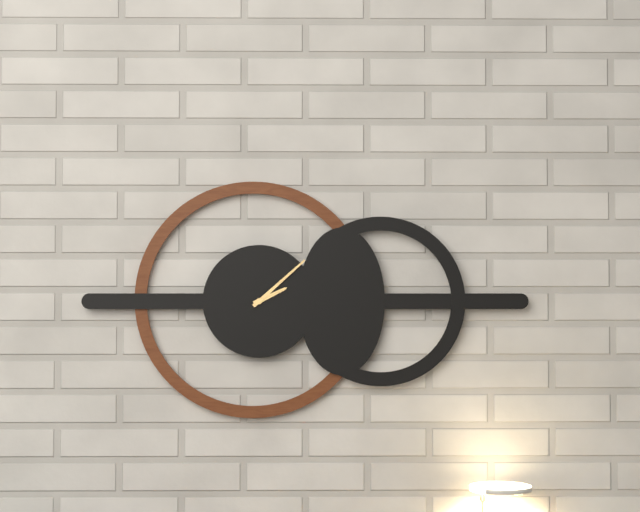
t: h=2 m=8
